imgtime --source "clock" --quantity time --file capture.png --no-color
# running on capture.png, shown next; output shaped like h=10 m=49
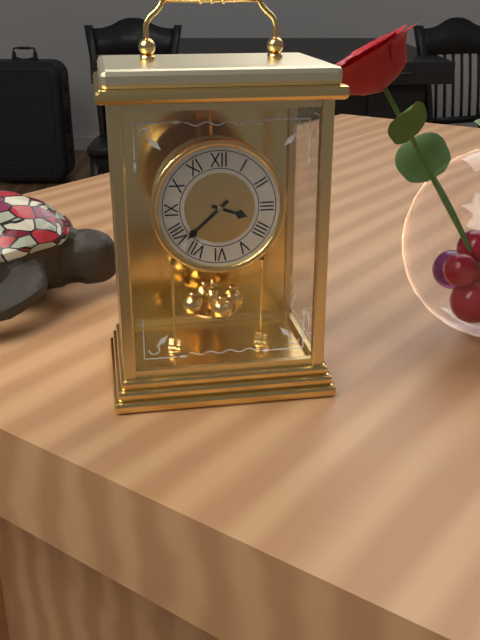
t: h=3 m=38
